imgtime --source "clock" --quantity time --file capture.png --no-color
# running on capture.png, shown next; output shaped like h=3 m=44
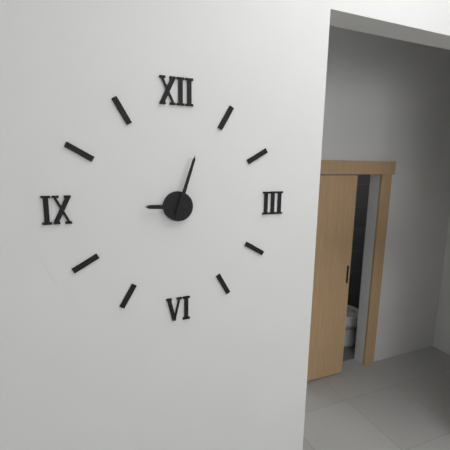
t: h=9 m=3
